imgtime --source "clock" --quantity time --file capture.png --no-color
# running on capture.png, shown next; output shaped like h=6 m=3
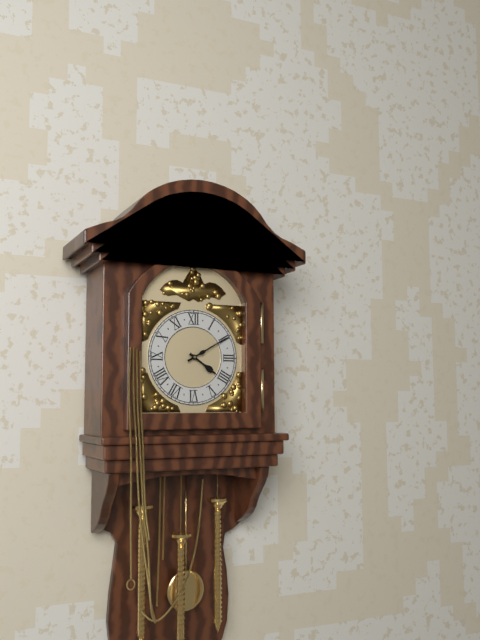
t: h=4 m=10
